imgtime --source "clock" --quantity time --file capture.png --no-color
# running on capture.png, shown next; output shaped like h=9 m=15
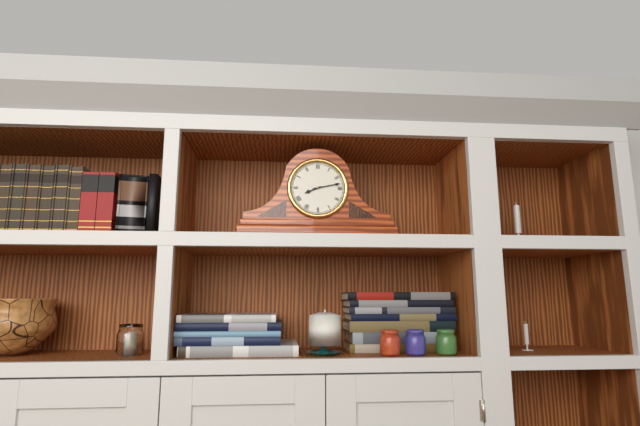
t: h=8 m=13
